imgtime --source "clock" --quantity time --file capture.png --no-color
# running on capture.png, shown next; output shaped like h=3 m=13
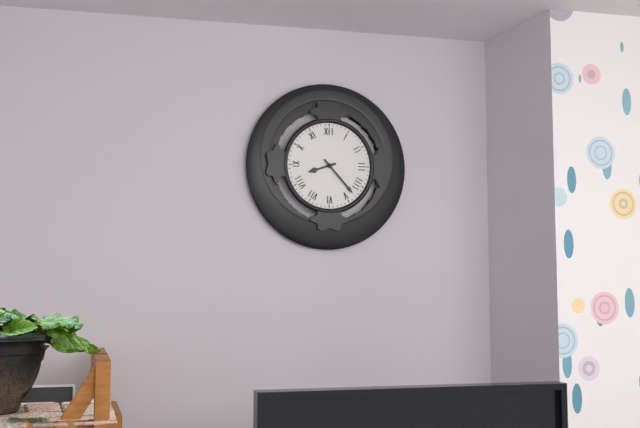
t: h=8 m=23
